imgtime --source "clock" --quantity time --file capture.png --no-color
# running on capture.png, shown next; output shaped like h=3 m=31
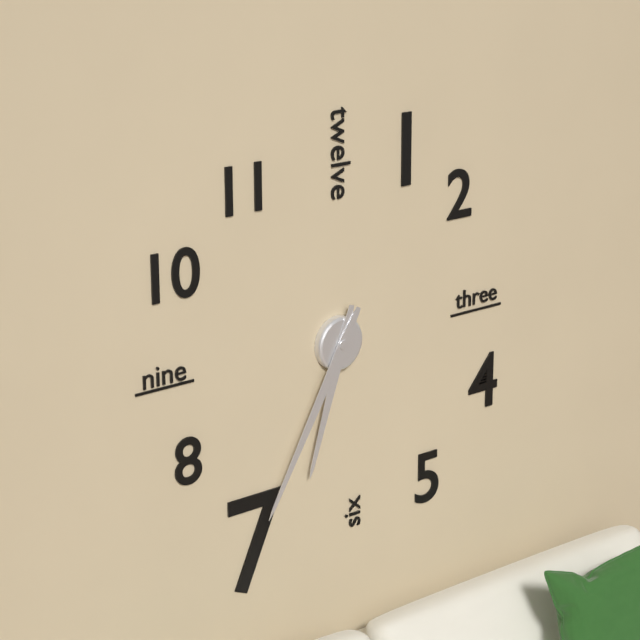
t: h=6 m=35
